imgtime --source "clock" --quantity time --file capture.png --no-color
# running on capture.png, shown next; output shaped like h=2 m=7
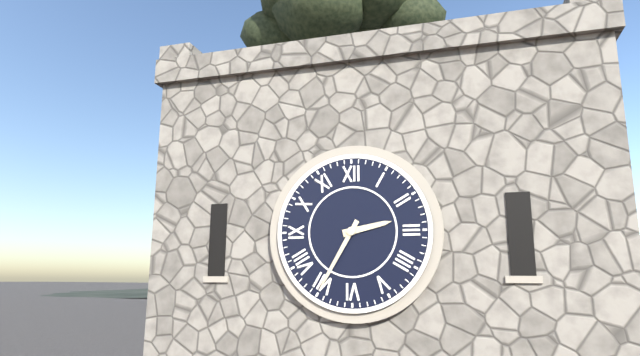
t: h=2 m=35
